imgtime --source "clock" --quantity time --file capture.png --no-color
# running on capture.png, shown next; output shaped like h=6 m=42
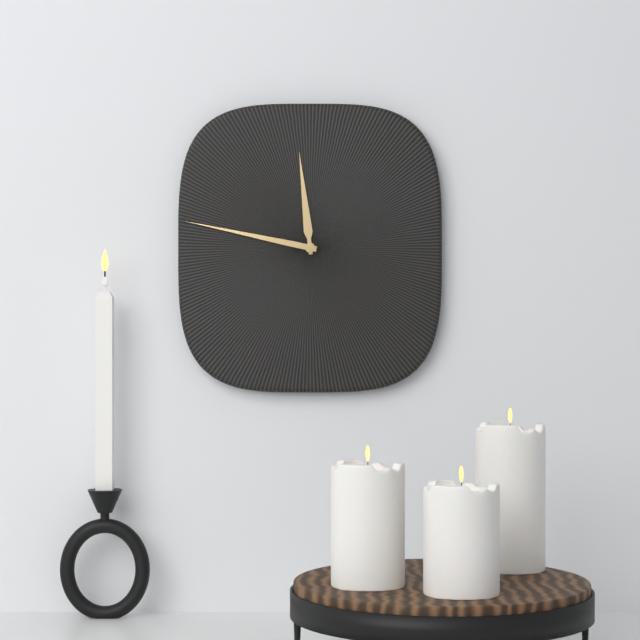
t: h=11 m=47
